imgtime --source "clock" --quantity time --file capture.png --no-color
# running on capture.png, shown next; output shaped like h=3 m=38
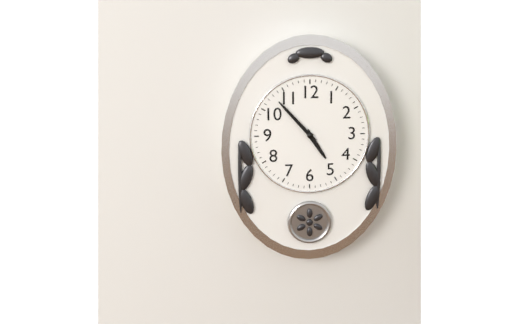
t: h=4 m=53
